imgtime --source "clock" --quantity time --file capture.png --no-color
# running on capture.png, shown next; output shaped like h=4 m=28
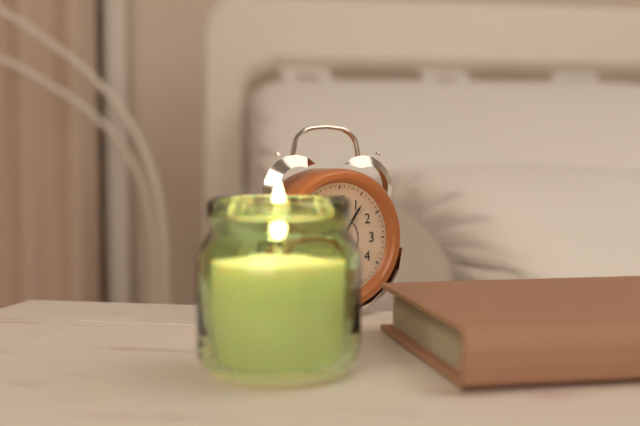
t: h=9 m=6
